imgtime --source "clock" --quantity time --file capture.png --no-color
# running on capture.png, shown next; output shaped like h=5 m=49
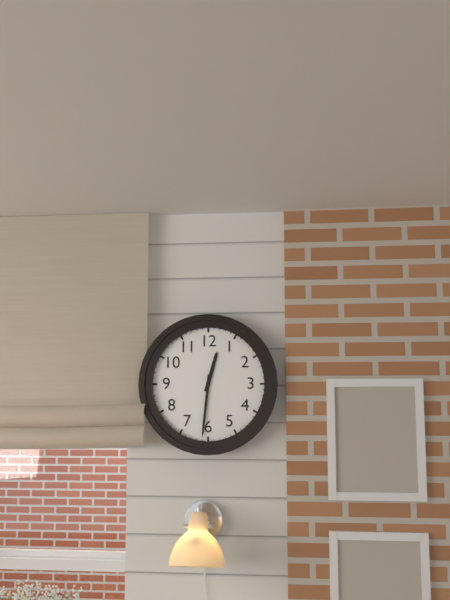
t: h=12 m=31
